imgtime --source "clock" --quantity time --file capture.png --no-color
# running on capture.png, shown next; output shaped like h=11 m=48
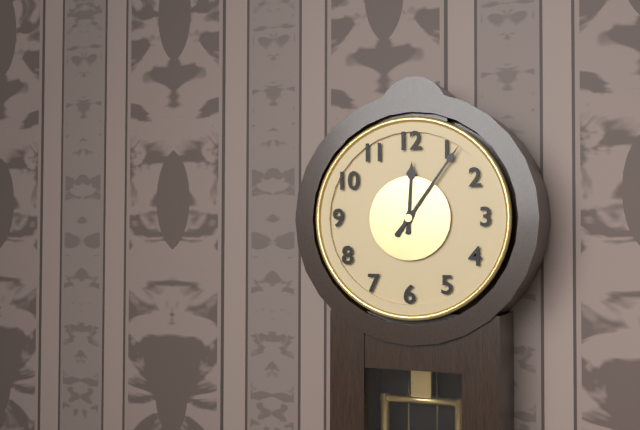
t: h=12 m=6
